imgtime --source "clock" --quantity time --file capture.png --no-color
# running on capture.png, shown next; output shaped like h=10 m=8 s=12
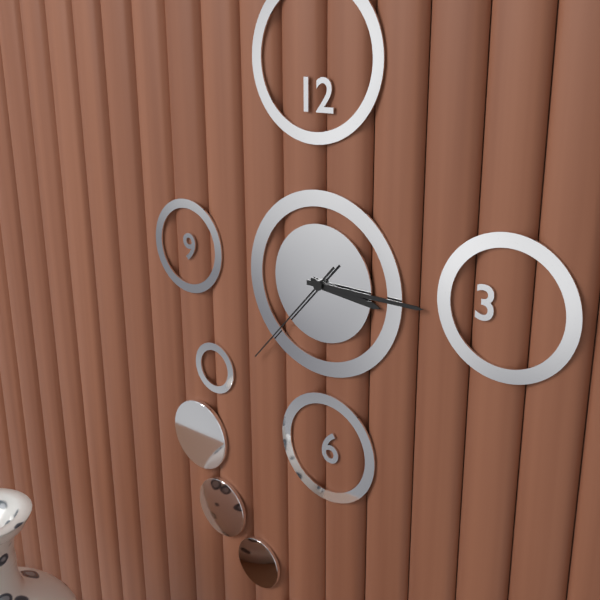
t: h=3 m=15 s=37
